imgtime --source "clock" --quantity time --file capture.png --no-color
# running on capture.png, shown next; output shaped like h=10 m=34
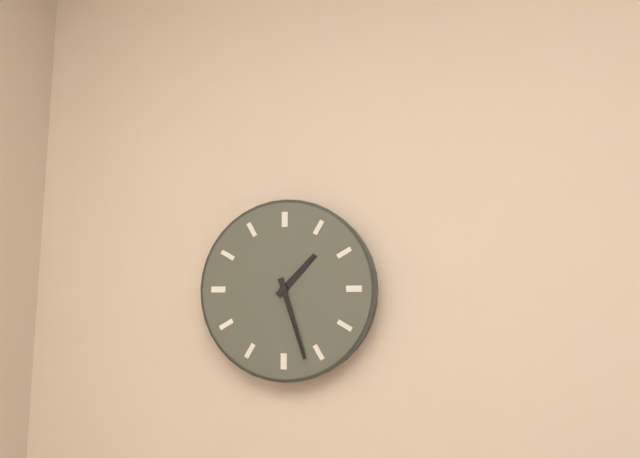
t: h=1 m=27
